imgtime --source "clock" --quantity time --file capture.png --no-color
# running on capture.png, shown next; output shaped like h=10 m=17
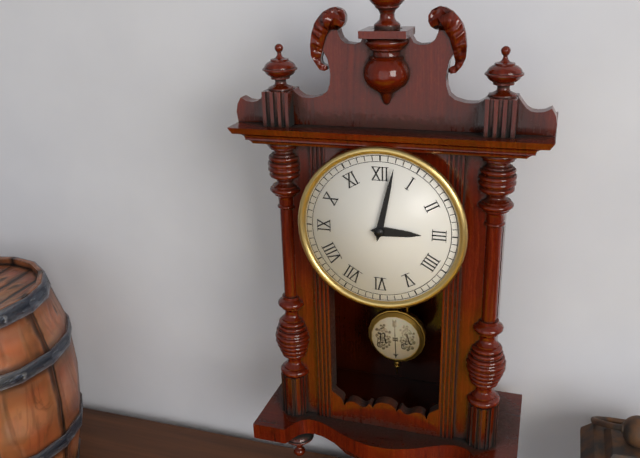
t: h=3 m=2
